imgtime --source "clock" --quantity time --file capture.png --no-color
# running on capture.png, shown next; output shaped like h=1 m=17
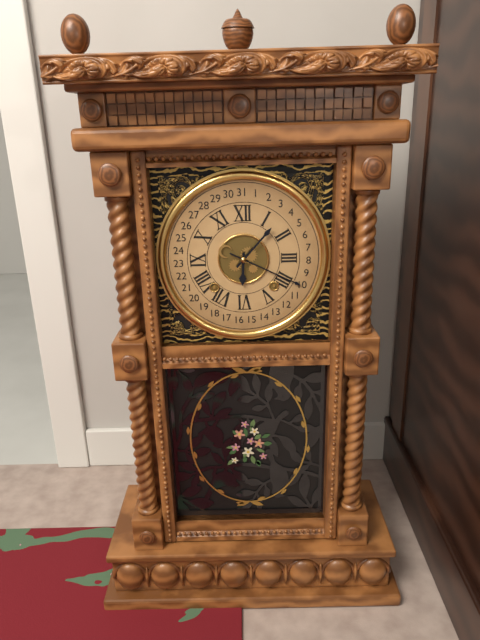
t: h=6 m=7
